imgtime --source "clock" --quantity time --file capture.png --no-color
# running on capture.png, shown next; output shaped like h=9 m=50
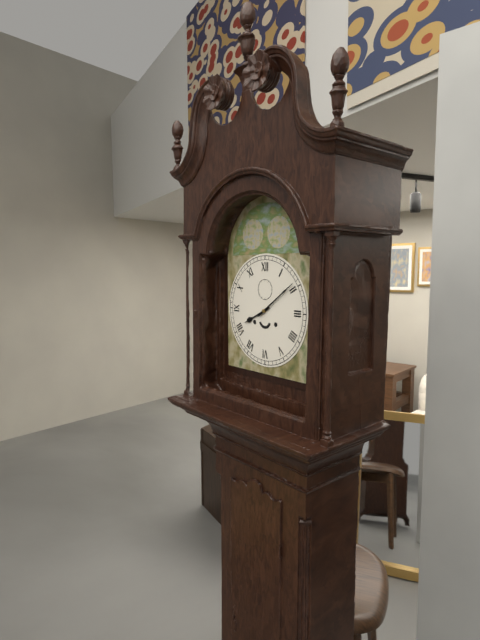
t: h=8 m=9
